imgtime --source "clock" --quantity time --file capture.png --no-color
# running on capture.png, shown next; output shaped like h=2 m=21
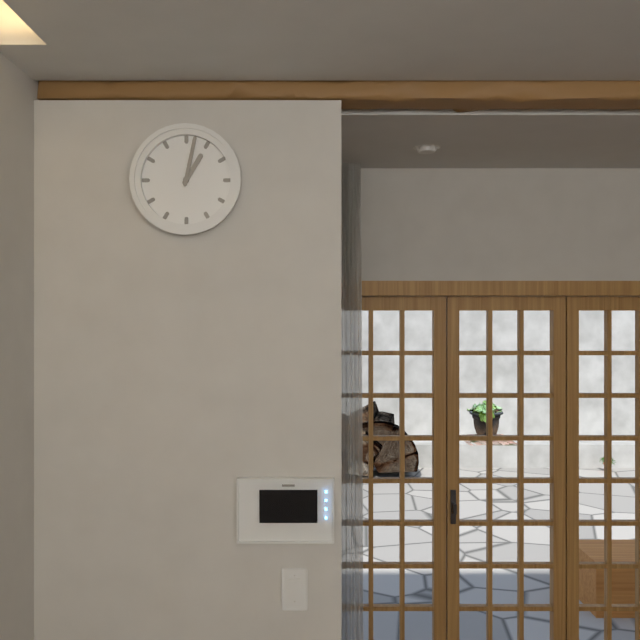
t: h=1 m=2
